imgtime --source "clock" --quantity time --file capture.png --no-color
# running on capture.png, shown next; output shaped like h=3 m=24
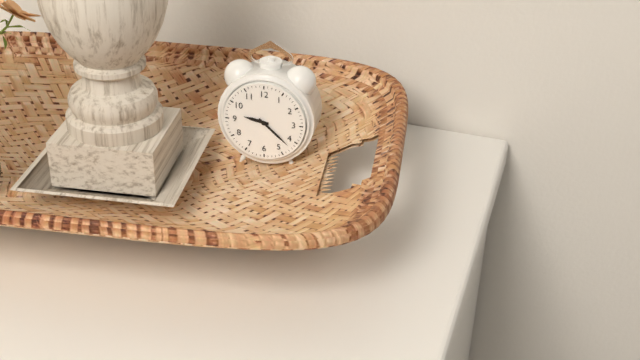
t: h=9 m=22
